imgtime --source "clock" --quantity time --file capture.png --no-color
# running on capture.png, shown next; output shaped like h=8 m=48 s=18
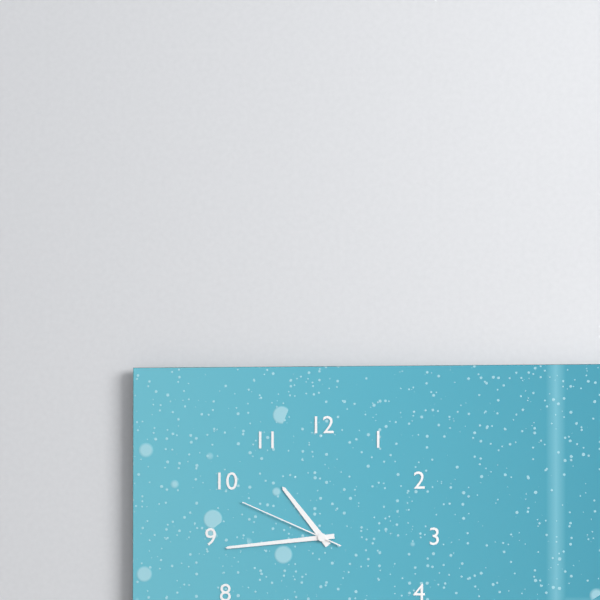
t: h=10 m=44 s=49
